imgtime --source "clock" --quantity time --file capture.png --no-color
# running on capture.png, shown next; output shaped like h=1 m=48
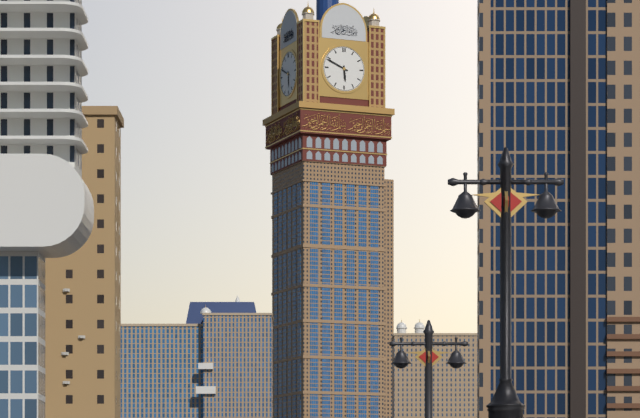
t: h=5 m=49
